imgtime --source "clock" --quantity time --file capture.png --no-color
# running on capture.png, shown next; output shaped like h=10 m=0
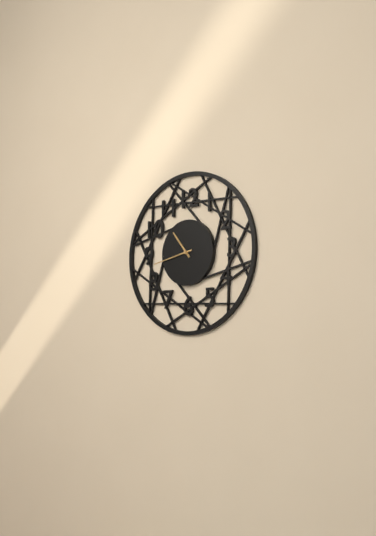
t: h=10 m=43
